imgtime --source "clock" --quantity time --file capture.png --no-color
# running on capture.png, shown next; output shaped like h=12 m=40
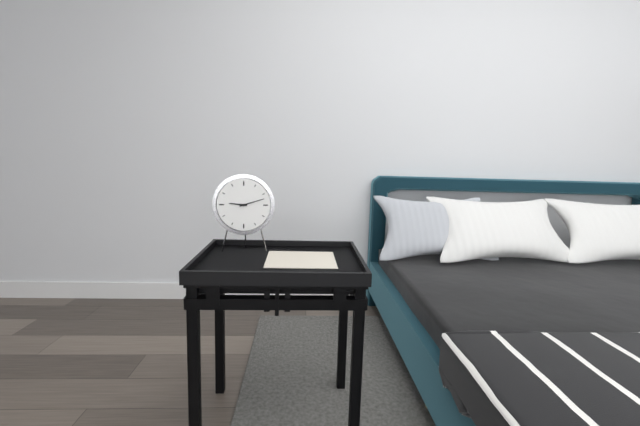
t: h=9 m=12
